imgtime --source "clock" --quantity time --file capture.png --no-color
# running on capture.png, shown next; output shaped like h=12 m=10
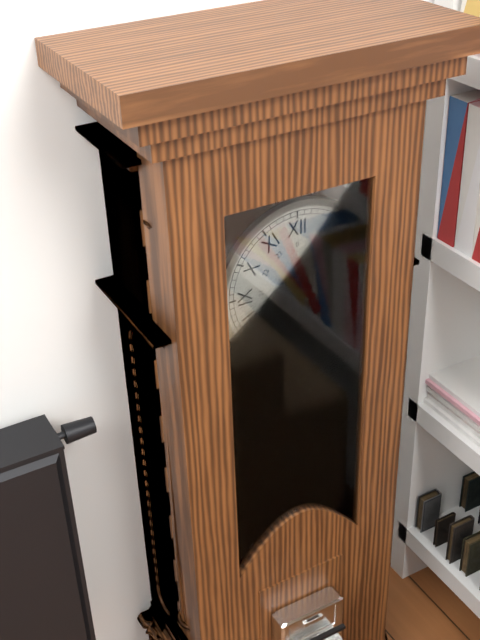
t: h=3 m=9
